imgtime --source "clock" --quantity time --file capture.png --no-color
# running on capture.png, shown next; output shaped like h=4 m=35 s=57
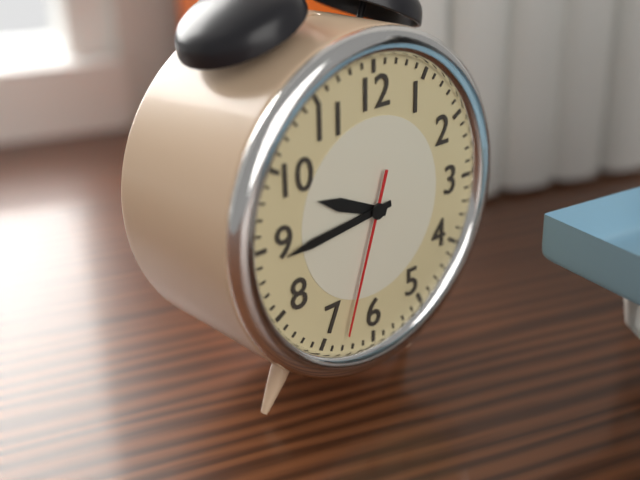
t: h=9 m=44 s=33
